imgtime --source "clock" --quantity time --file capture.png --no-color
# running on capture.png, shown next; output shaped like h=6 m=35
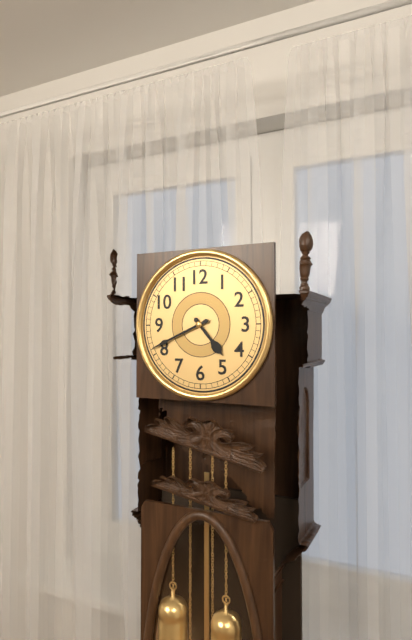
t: h=4 m=41
